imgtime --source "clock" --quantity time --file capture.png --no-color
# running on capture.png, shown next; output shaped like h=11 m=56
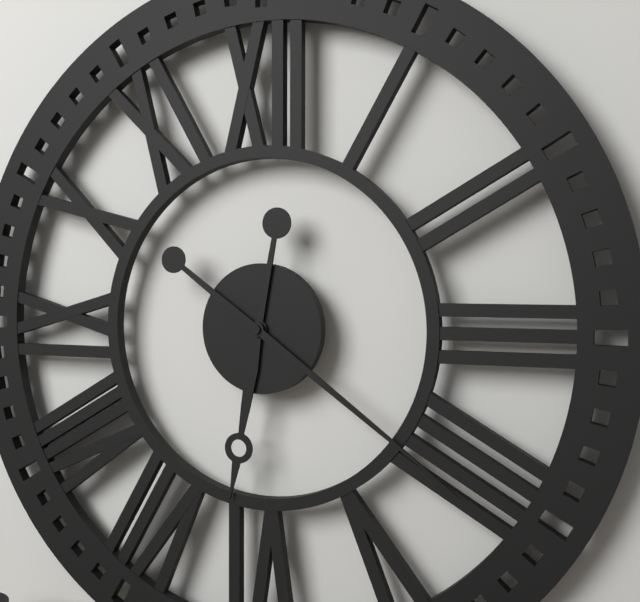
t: h=6 m=21
